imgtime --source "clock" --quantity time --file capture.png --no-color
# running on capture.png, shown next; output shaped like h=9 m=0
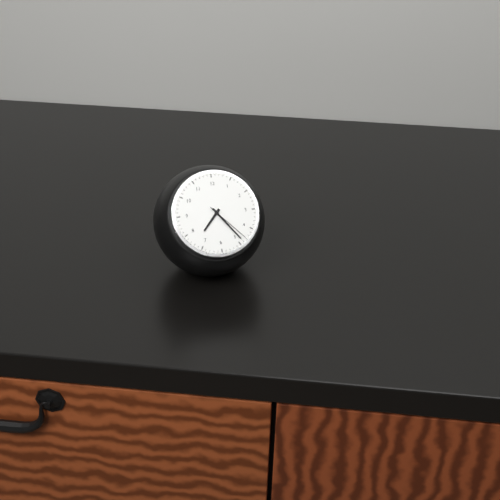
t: h=7 m=24
